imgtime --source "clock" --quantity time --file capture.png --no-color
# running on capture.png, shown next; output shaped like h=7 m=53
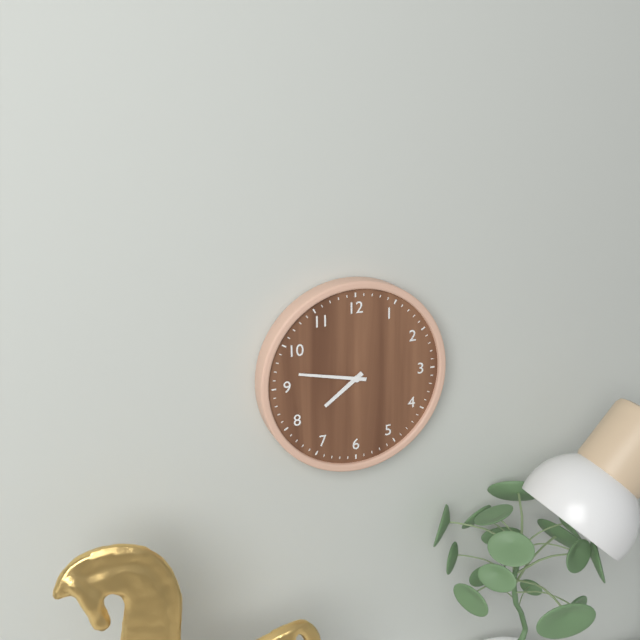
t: h=7 m=47
